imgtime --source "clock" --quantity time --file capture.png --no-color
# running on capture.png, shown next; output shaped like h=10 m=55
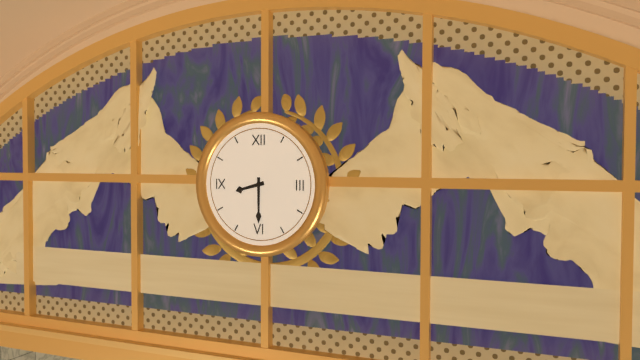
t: h=8 m=30
